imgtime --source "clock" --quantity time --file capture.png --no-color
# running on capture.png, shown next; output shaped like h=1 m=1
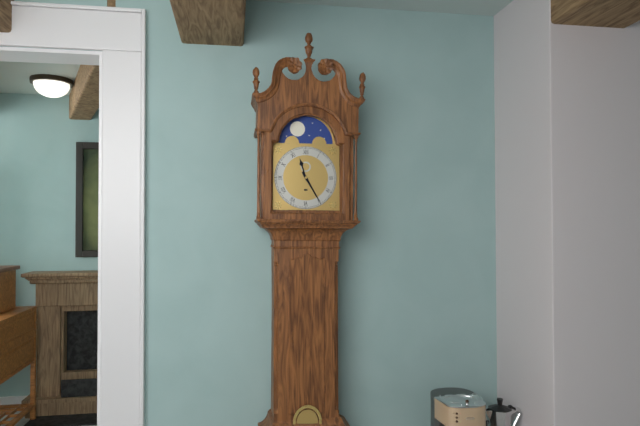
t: h=11 m=25
